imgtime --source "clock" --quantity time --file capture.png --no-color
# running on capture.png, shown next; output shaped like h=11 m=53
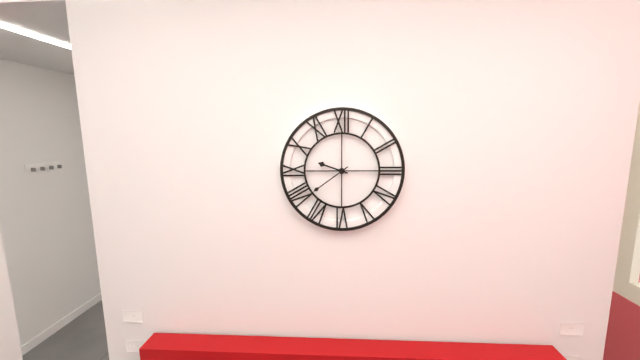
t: h=9 m=39
